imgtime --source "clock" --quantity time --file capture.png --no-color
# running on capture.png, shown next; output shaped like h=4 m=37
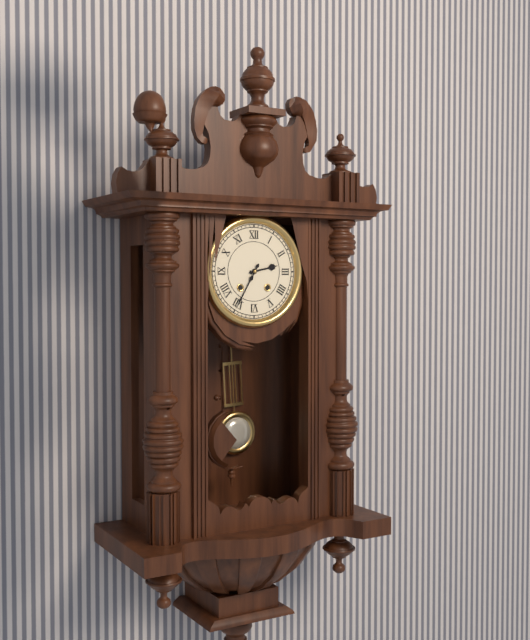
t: h=2 m=35
